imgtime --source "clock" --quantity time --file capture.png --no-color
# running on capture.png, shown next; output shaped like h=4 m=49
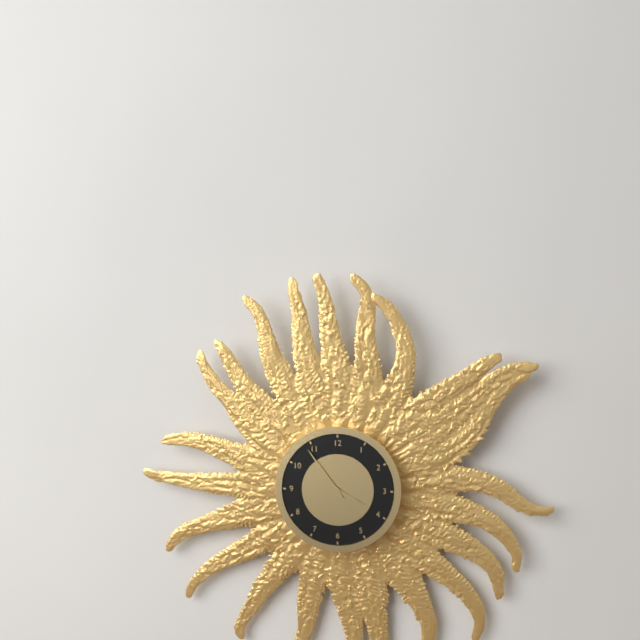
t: h=3 m=54
